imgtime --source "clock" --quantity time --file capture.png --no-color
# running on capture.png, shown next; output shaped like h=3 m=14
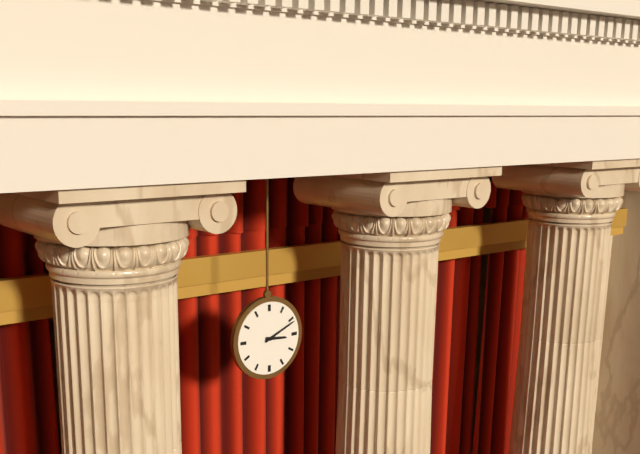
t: h=3 m=11
